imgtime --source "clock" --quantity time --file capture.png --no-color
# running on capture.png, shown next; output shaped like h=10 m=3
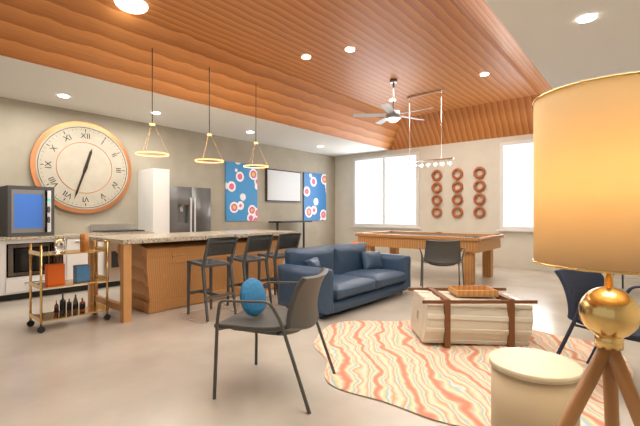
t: h=12 m=33
